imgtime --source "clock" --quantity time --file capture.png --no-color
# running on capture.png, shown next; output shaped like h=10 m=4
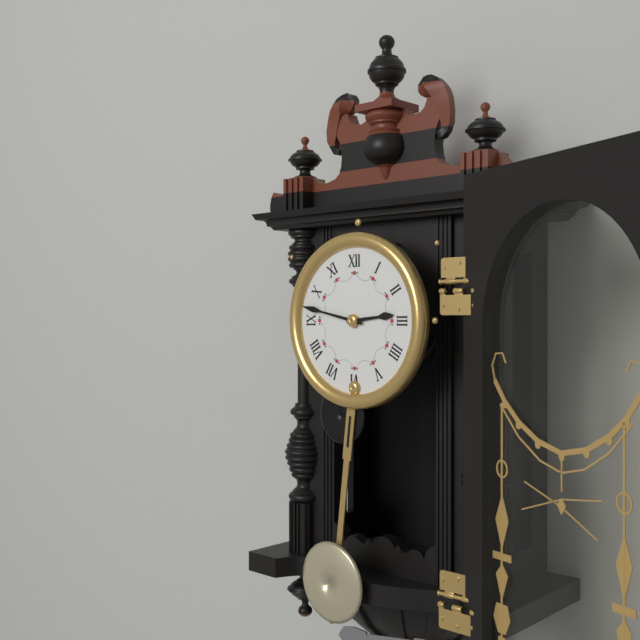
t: h=2 m=47
